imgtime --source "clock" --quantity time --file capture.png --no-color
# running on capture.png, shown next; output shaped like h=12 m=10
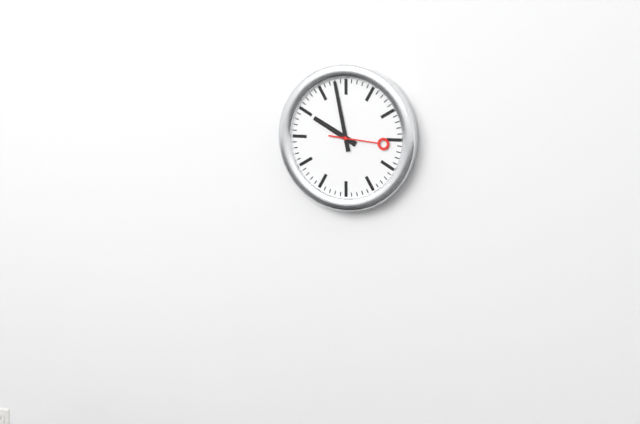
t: h=9 m=58
